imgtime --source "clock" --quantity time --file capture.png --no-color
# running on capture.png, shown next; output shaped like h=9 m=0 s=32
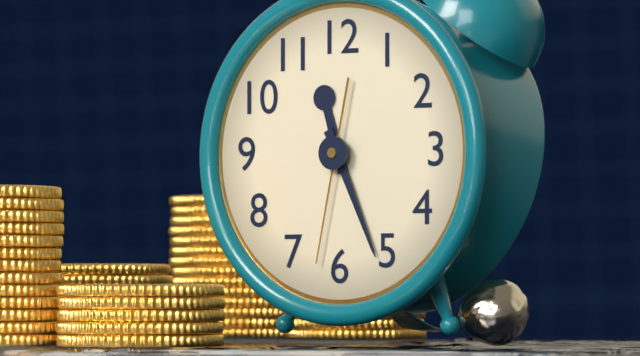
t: h=11 m=26 s=32
